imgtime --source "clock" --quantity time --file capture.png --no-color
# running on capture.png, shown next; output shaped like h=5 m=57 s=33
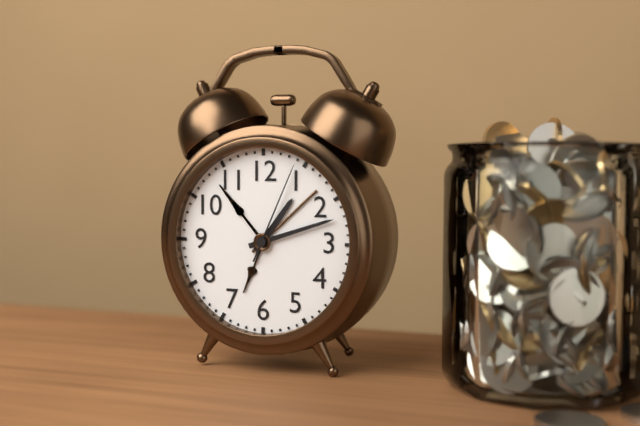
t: h=1 m=12 s=4
